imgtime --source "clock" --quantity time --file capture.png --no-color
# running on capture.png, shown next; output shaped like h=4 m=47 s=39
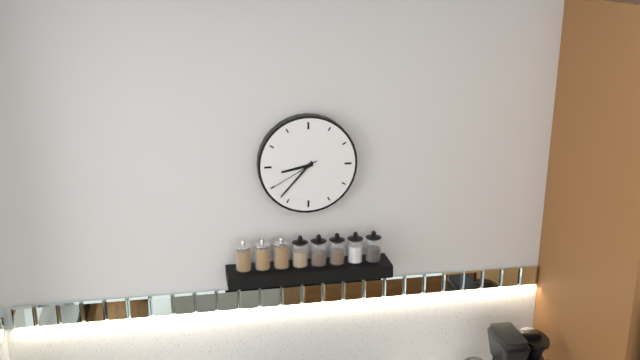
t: h=8 m=37 s=40
